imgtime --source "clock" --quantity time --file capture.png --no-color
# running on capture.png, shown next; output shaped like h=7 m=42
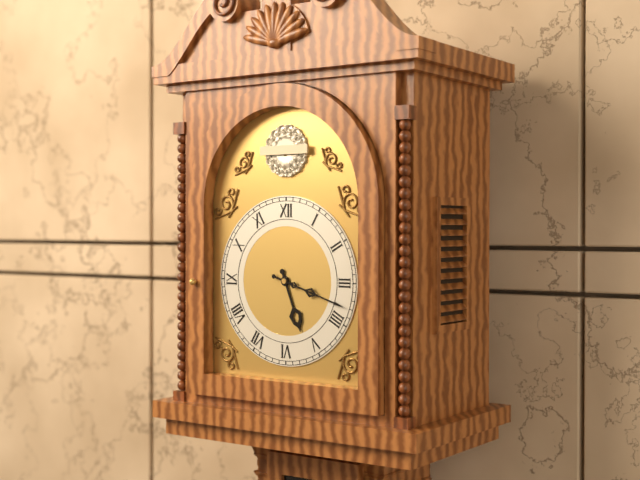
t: h=5 m=18
